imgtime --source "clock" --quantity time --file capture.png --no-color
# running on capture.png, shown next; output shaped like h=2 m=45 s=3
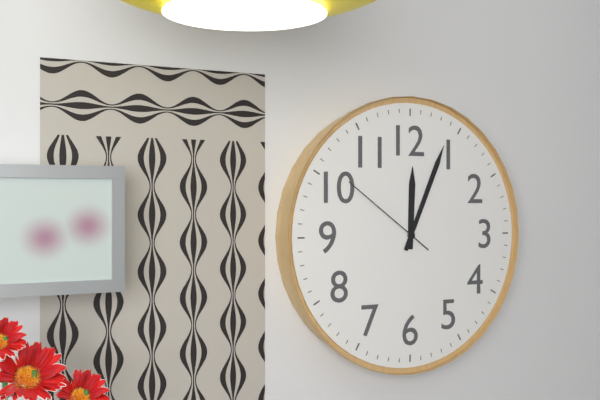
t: h=12 m=4 s=51
